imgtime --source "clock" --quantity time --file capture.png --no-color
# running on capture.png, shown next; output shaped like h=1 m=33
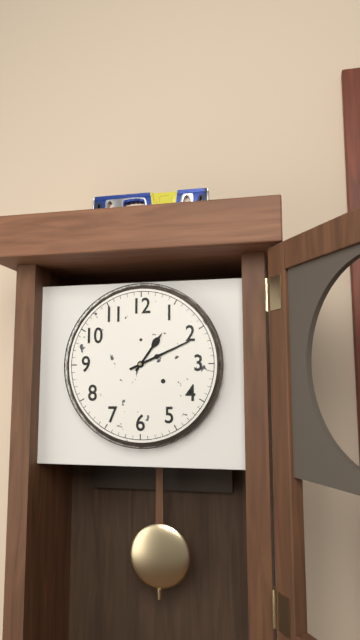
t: h=1 m=11
